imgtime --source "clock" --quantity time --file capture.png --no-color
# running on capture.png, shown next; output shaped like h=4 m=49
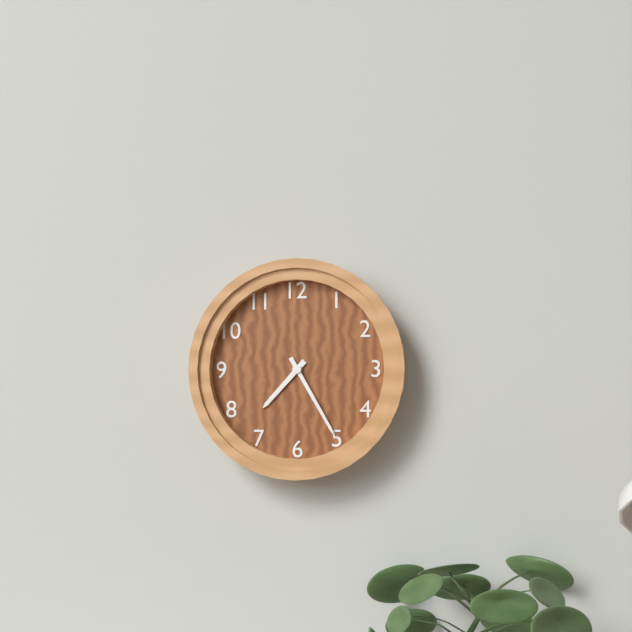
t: h=7 m=25
